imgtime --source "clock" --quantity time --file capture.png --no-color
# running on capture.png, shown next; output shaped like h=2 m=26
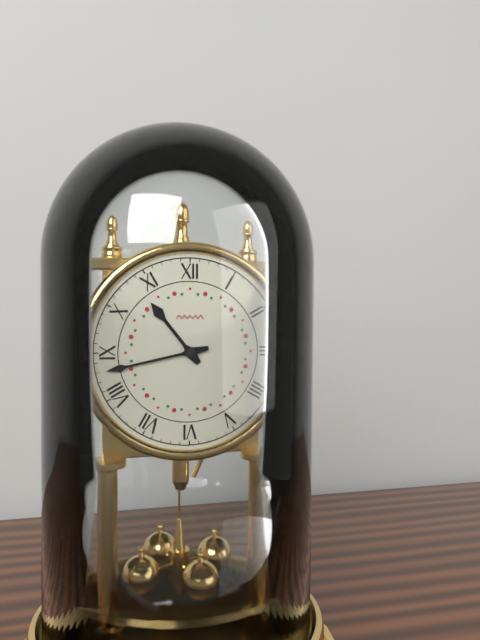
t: h=10 m=43
